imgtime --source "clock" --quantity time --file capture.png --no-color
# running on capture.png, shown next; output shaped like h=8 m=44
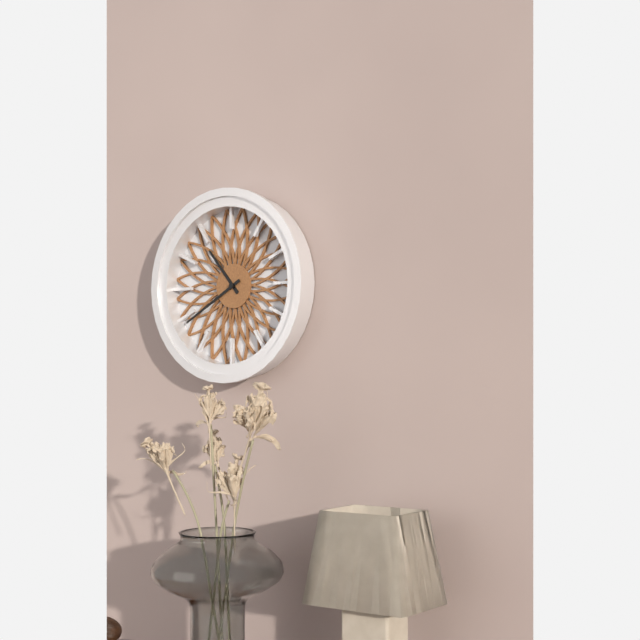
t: h=10 m=40
